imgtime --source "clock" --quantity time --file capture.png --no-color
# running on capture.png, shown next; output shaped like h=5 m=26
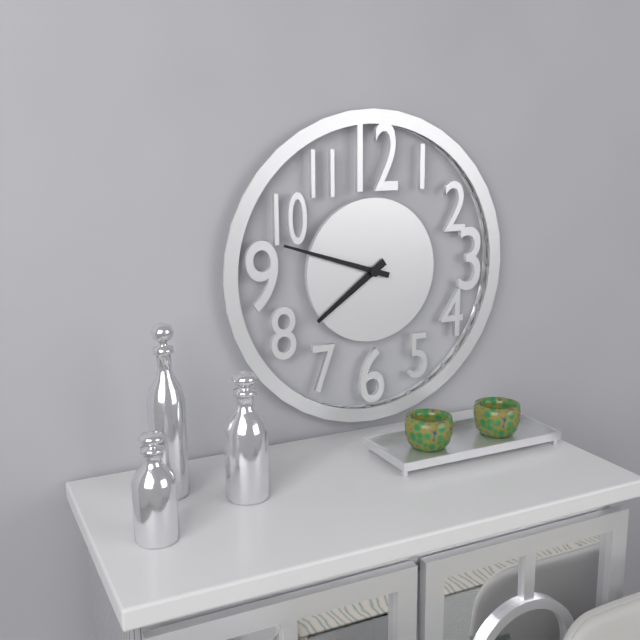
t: h=7 m=48
